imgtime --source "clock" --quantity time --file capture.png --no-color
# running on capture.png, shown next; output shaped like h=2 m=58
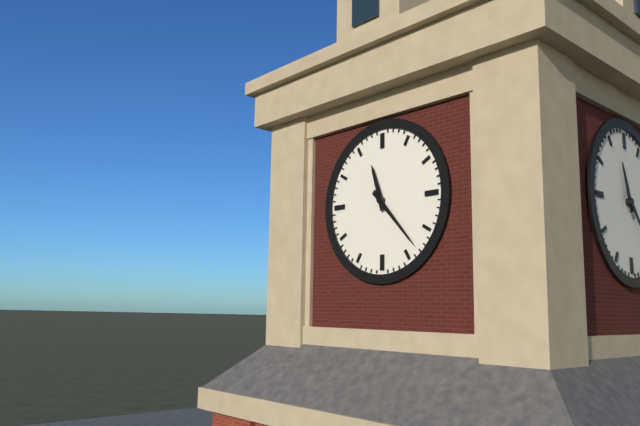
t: h=11 m=23
